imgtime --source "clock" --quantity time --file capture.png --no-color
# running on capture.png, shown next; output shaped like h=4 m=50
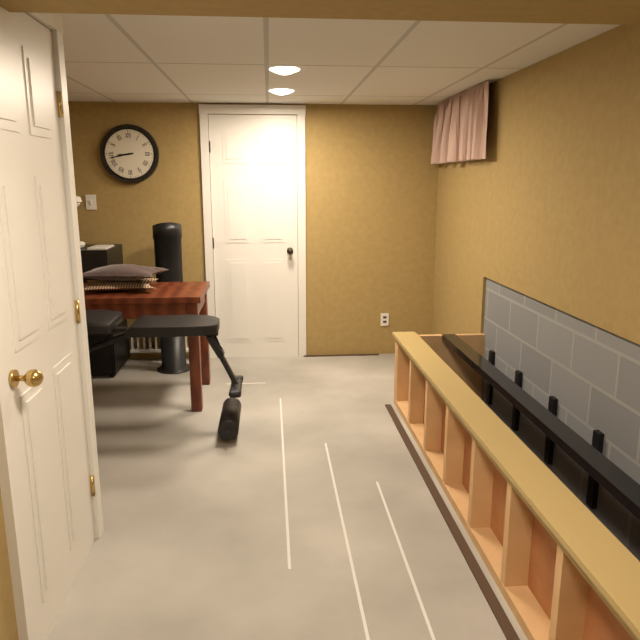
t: h=8 m=43
